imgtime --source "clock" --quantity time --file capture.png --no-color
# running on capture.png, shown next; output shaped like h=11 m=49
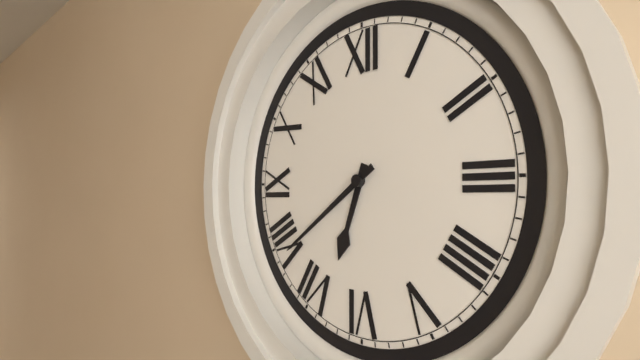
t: h=6 m=39
